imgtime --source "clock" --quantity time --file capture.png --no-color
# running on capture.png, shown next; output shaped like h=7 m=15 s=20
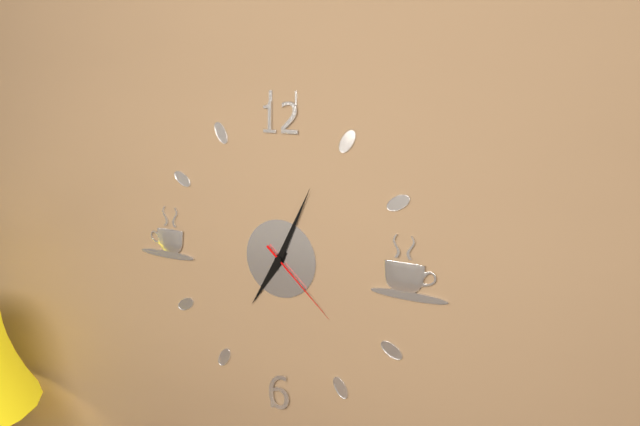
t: h=7 m=4 s=22
